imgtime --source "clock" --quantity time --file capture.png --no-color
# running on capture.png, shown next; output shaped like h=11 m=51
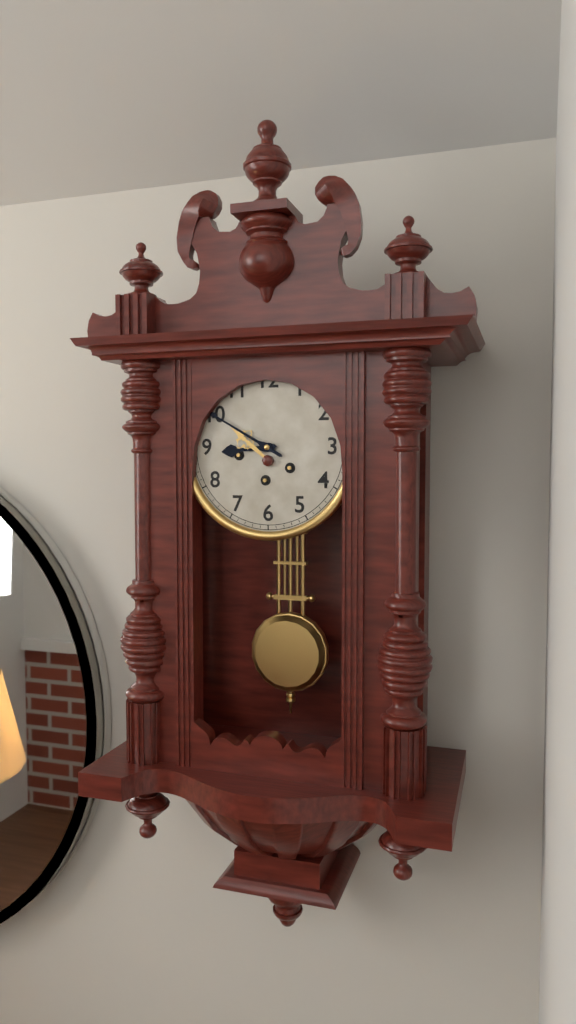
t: h=8 m=50
